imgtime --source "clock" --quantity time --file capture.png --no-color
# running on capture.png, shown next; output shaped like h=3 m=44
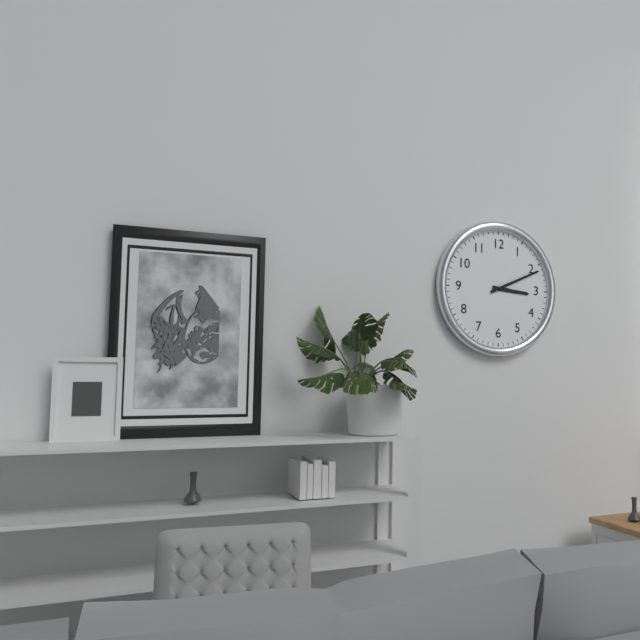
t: h=3 m=11
